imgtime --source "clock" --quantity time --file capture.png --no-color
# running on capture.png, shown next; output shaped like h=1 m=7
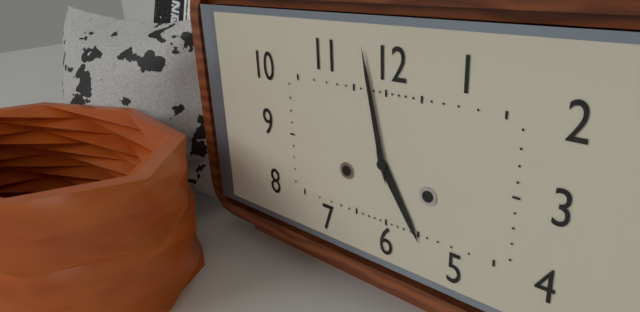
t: h=4 m=58
